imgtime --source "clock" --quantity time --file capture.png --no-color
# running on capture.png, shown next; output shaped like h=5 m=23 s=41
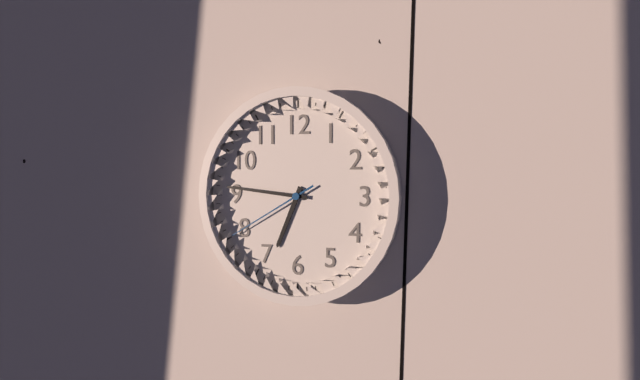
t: h=6 m=46 s=40
